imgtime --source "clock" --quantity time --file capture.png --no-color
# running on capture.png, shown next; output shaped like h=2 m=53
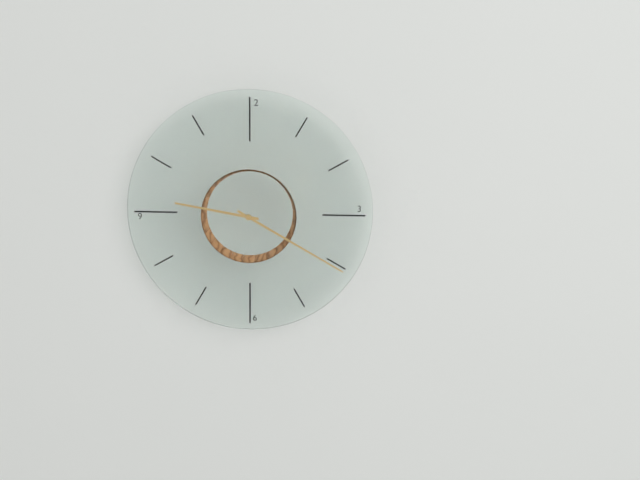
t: h=9 m=20
